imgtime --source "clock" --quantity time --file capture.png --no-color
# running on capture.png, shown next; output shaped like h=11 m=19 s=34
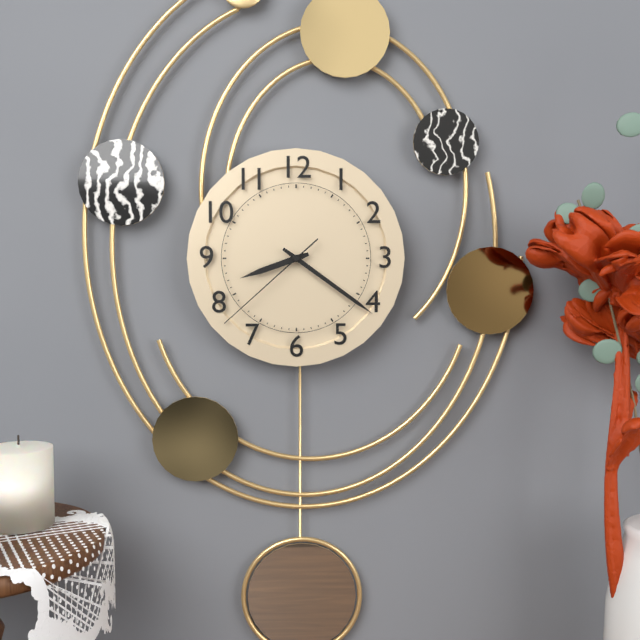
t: h=8 m=21 s=38
